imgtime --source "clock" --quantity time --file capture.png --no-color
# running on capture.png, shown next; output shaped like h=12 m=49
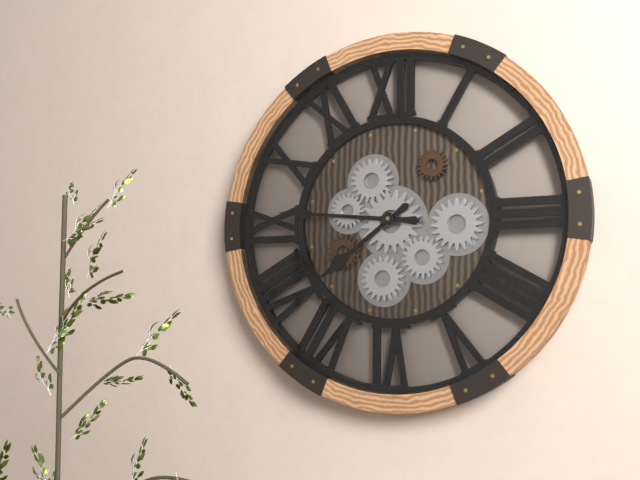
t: h=7 m=46
